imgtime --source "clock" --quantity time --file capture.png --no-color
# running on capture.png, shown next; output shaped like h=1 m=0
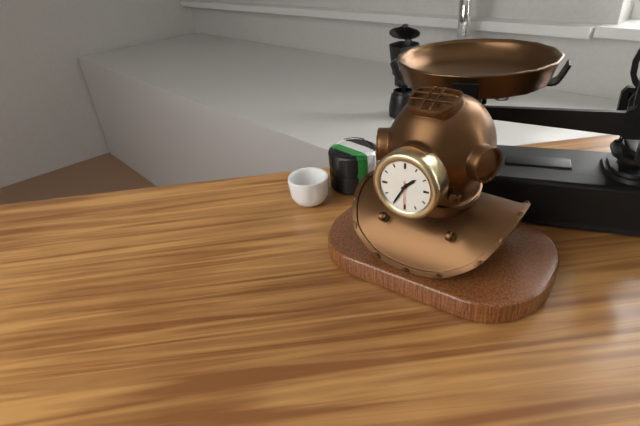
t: h=1 m=35
